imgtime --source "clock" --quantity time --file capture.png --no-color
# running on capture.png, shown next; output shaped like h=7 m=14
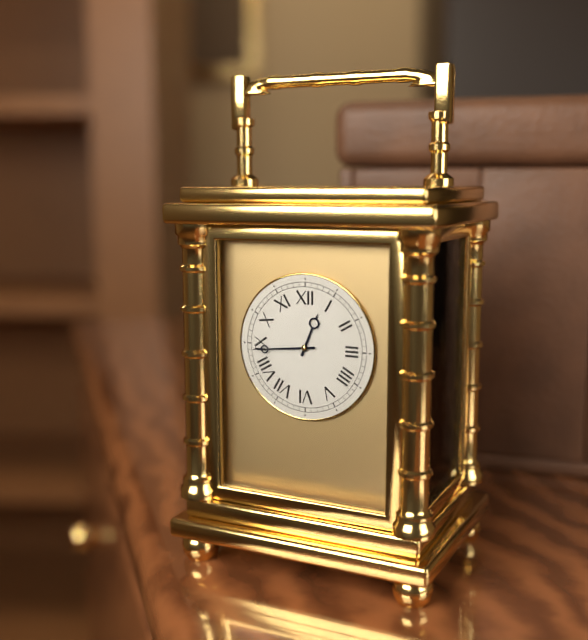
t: h=12 m=44
